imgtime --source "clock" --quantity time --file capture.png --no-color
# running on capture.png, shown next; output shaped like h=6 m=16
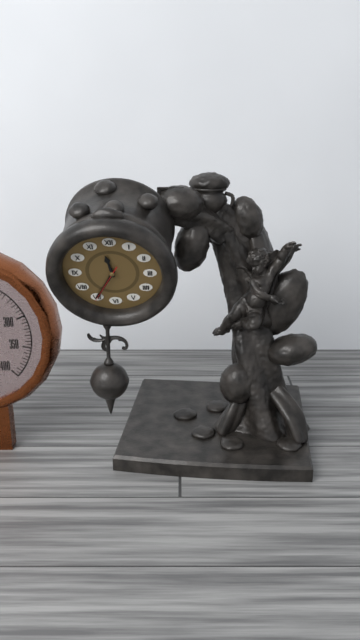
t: h=11 m=35
